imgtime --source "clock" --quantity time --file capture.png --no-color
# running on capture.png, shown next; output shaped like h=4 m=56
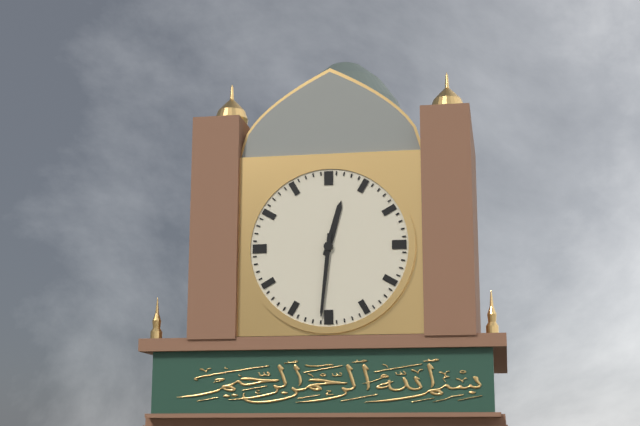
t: h=12 m=31
